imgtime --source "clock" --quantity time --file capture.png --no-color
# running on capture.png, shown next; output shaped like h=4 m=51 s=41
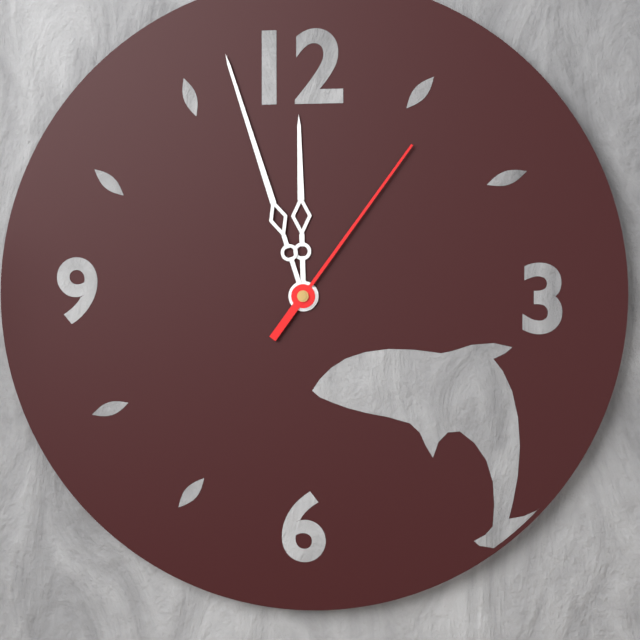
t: h=11 m=57 s=6
